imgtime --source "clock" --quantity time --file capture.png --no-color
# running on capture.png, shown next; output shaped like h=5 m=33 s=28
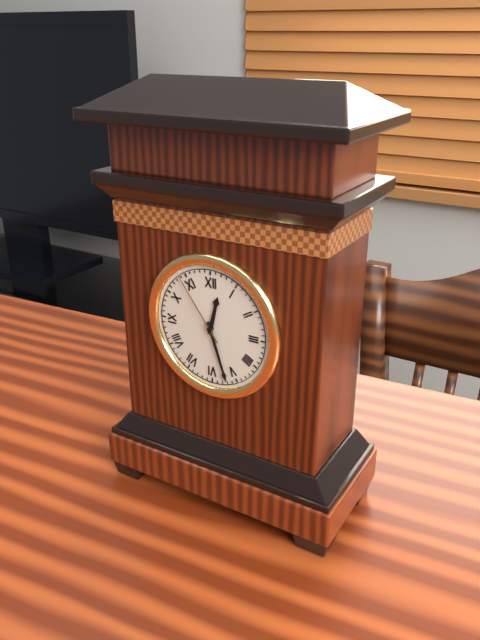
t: h=12 m=27 s=54
